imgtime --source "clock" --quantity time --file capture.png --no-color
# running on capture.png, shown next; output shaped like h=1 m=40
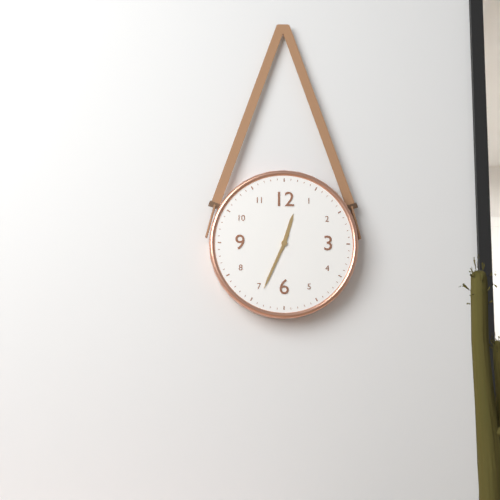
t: h=12 m=34
